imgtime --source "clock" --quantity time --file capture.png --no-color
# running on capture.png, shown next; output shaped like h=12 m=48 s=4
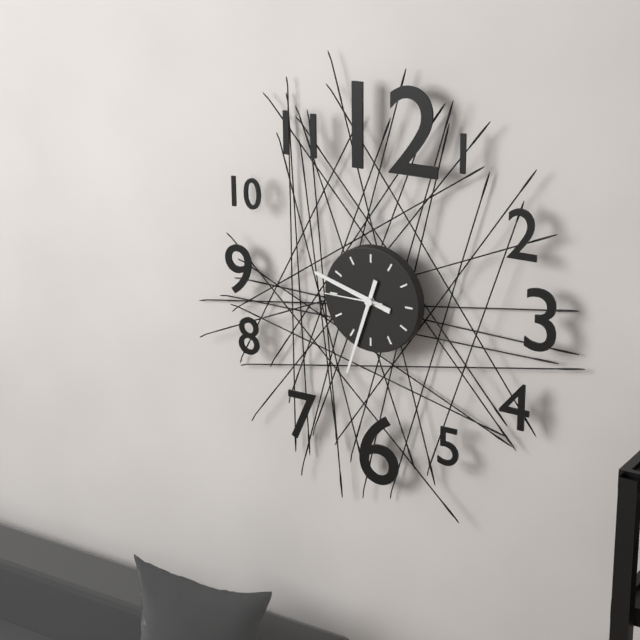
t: h=9 m=33 s=45
